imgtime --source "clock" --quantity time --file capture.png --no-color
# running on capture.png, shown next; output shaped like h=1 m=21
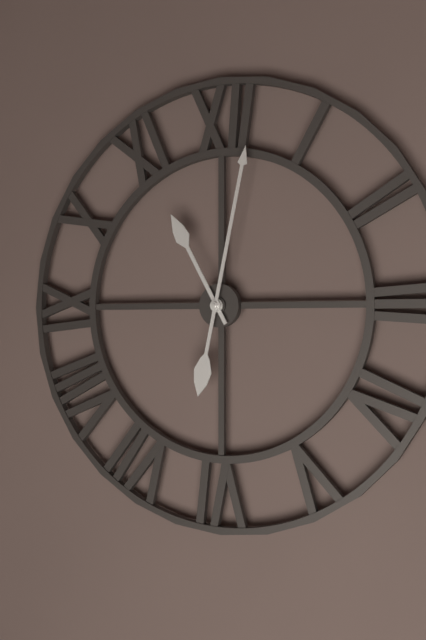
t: h=11 m=2
